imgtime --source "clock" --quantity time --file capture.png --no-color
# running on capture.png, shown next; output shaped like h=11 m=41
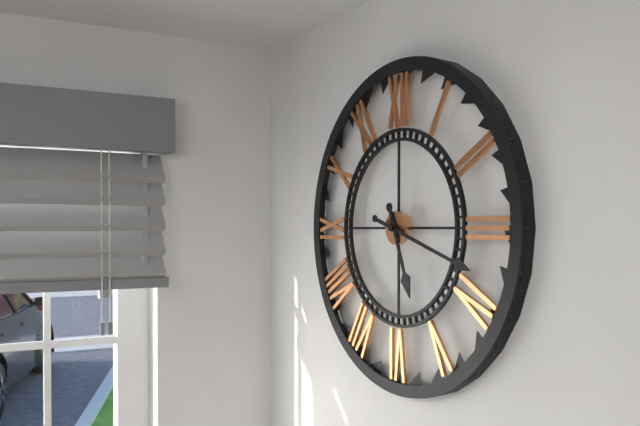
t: h=5 m=18
